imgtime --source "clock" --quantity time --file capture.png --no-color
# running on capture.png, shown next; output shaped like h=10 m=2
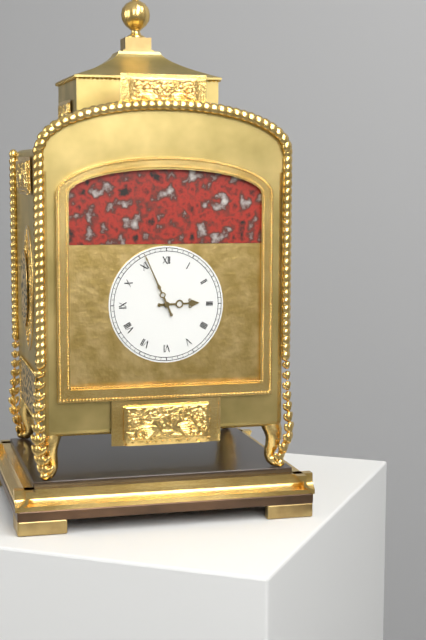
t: h=2 m=56
